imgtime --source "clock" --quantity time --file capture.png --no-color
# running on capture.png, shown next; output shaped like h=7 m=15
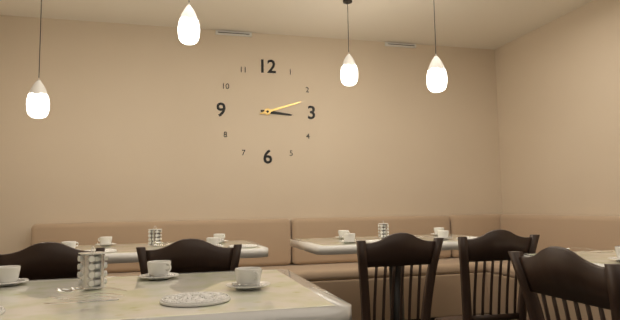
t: h=3 m=12
